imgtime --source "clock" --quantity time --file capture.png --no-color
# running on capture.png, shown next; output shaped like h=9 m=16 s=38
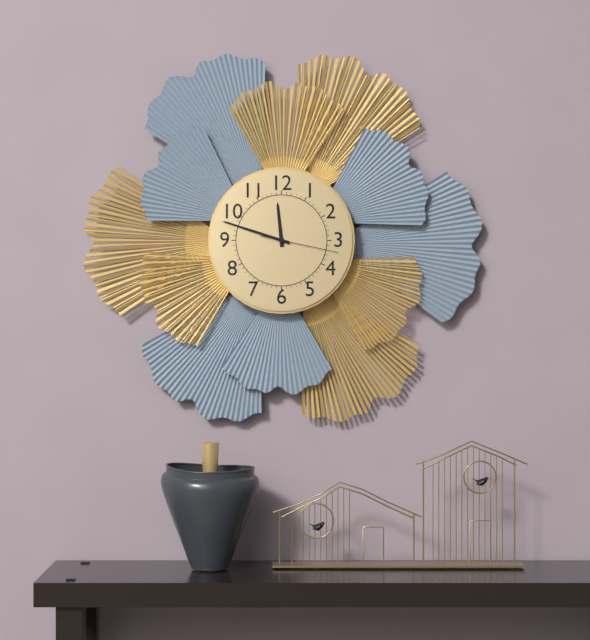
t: h=11 m=48 s=17
